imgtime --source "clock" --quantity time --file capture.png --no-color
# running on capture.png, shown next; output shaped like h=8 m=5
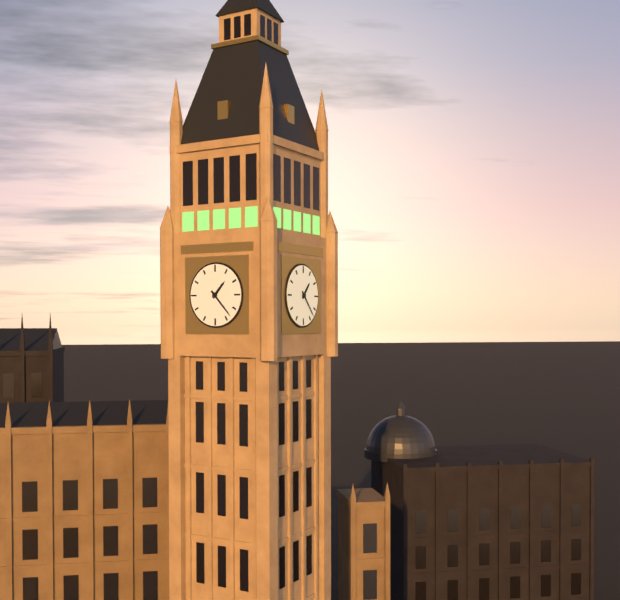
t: h=1 m=23
